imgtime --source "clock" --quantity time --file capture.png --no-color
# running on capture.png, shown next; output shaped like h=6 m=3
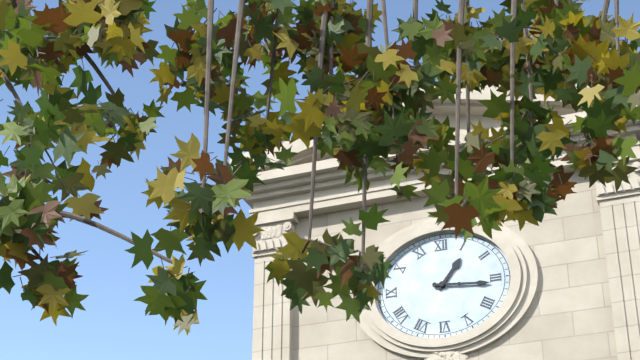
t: h=1 m=16
